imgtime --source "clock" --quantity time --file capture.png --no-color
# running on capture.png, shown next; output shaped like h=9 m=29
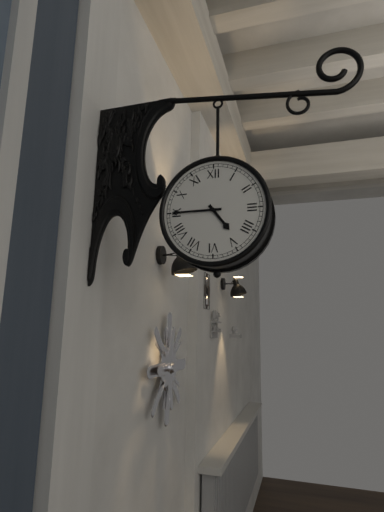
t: h=4 m=45
